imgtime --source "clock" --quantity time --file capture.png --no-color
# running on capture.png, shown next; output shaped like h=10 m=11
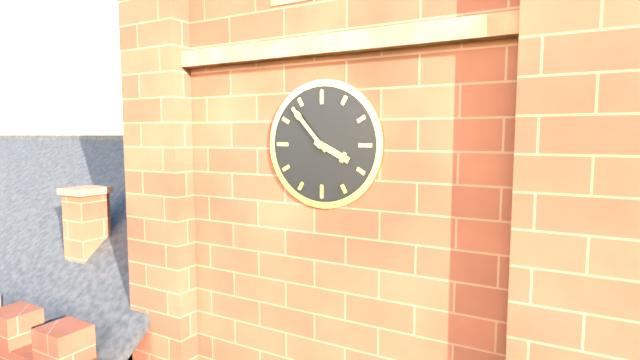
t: h=3 m=53
